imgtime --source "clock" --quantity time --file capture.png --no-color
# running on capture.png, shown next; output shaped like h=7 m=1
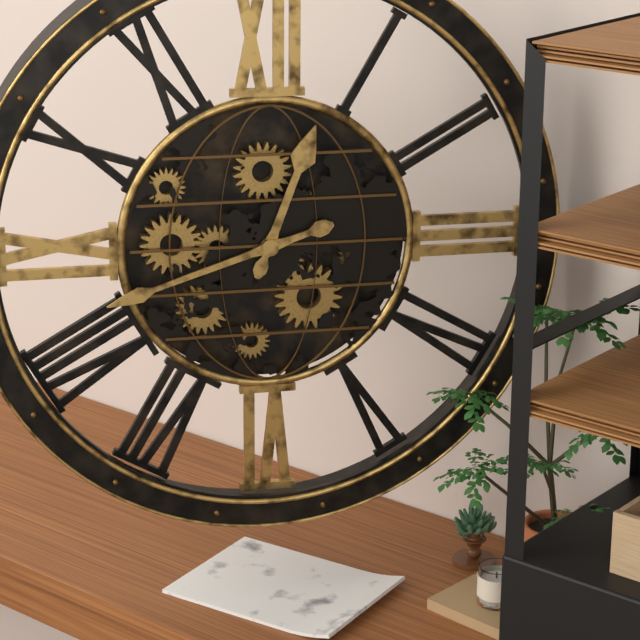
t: h=12 m=42
